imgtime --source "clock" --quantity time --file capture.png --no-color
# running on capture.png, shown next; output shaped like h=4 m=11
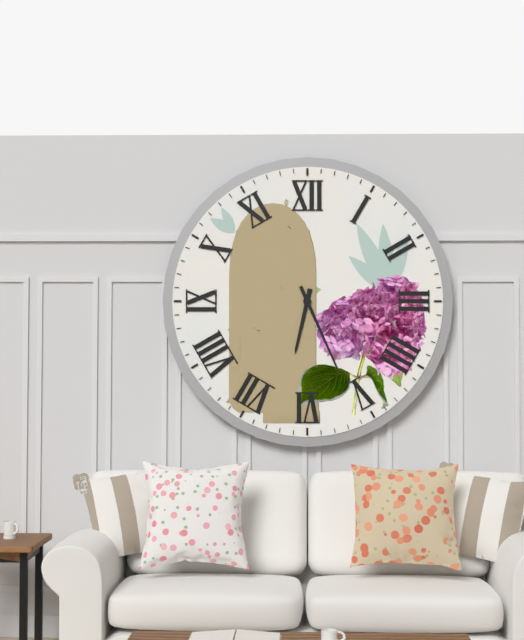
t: h=6 m=26
